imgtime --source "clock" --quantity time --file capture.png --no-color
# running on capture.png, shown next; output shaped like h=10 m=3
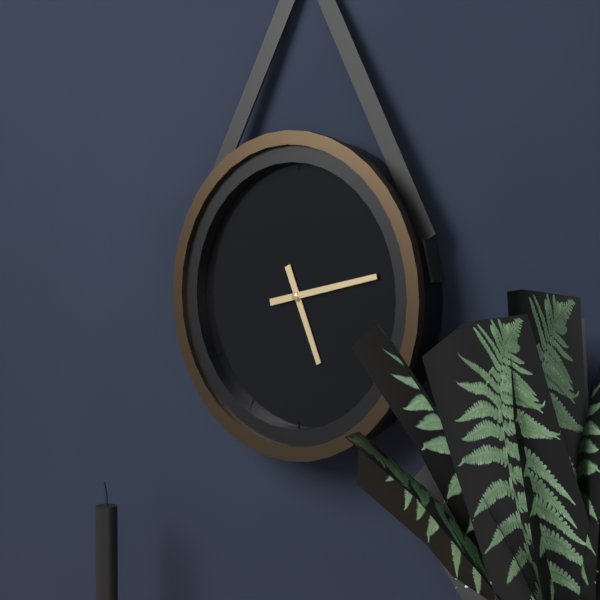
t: h=5 m=13
